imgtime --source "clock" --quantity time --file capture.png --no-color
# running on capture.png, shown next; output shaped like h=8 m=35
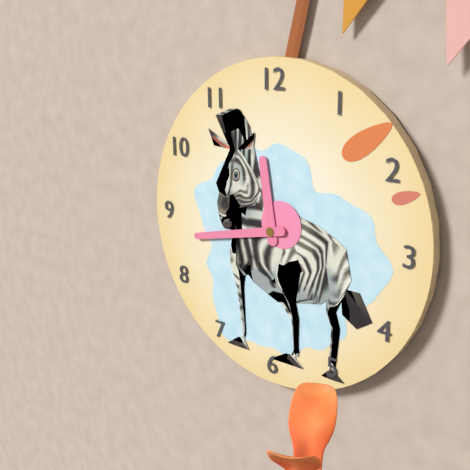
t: h=11 m=43
